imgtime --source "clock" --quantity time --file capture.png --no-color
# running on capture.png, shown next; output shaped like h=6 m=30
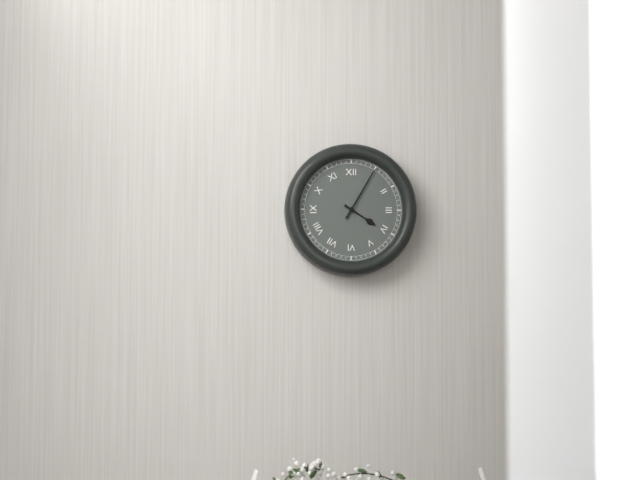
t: h=4 m=5
